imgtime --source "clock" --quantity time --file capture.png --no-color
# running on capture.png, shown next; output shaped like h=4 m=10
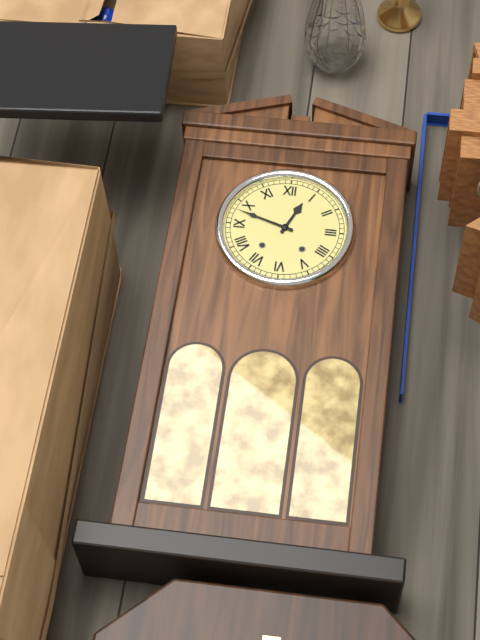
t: h=12 m=48
